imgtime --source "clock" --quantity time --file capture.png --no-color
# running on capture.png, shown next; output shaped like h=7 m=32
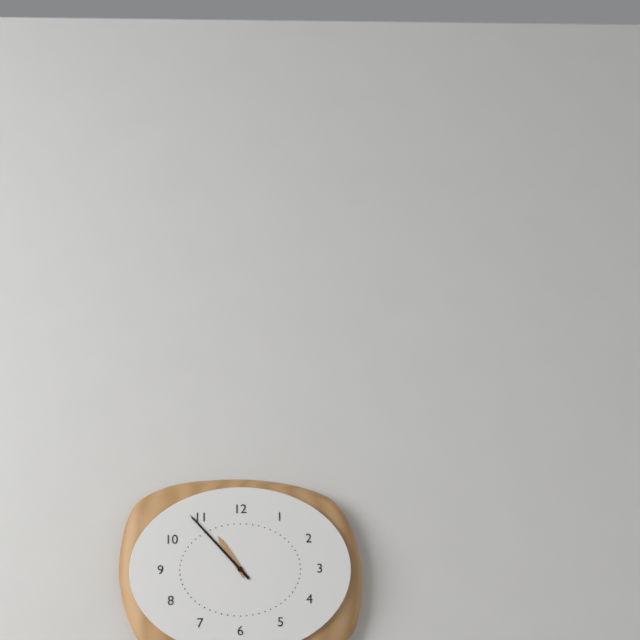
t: h=10 m=53
